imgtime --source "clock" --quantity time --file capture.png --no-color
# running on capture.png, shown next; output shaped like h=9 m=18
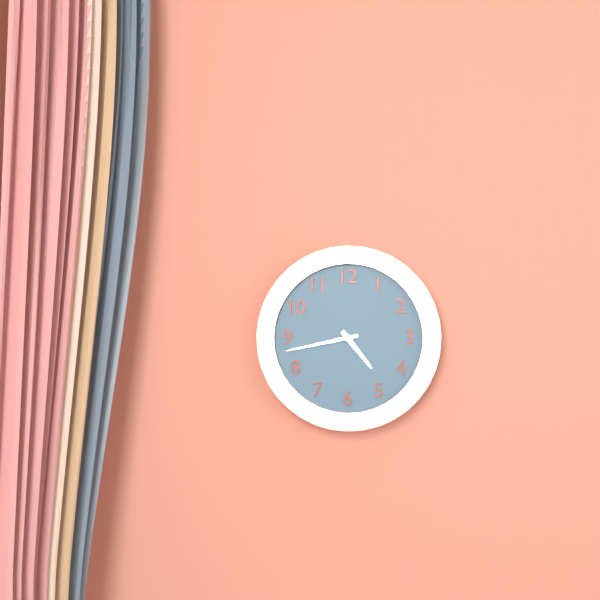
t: h=4 m=43
